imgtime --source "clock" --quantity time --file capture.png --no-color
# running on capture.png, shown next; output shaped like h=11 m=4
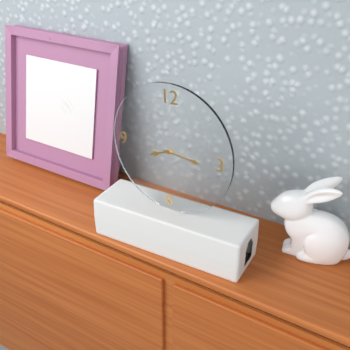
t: h=8 m=16
